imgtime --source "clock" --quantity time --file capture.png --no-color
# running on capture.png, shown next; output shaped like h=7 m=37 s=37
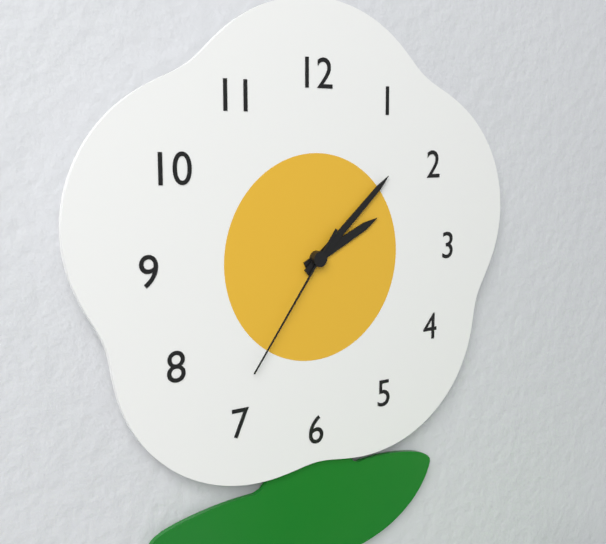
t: h=2 m=8 s=36
